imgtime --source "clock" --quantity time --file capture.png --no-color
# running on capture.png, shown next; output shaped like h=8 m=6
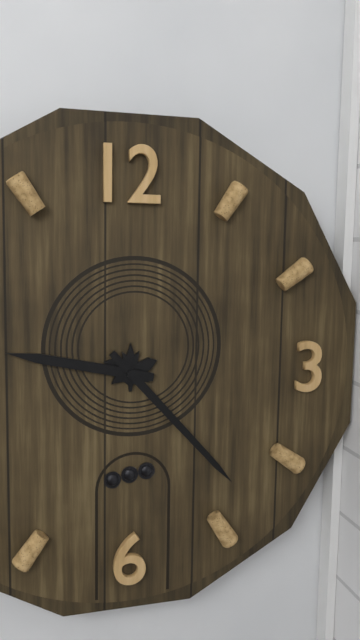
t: h=9 m=23
